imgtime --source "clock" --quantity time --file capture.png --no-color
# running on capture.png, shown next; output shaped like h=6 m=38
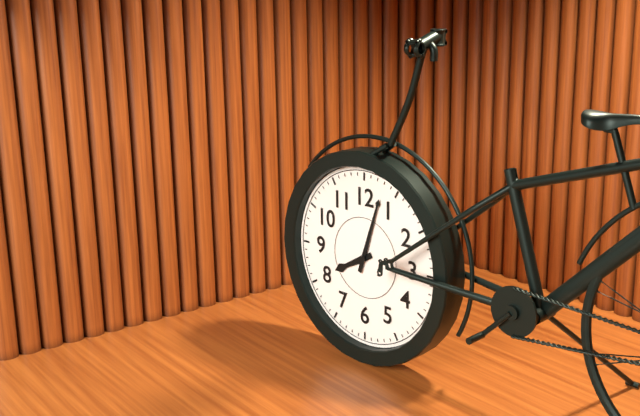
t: h=8 m=3
